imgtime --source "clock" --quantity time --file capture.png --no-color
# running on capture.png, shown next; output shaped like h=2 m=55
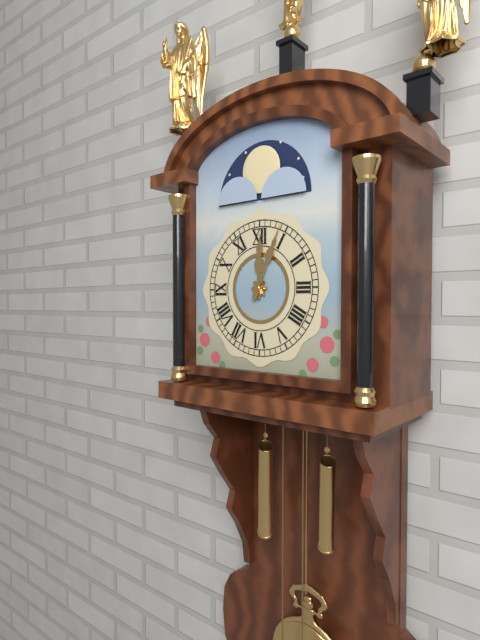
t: h=12 m=4
